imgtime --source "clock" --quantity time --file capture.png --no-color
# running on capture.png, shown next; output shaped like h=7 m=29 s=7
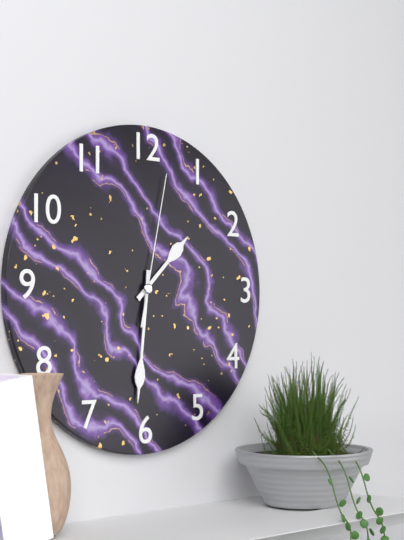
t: h=1 m=31 s=2
